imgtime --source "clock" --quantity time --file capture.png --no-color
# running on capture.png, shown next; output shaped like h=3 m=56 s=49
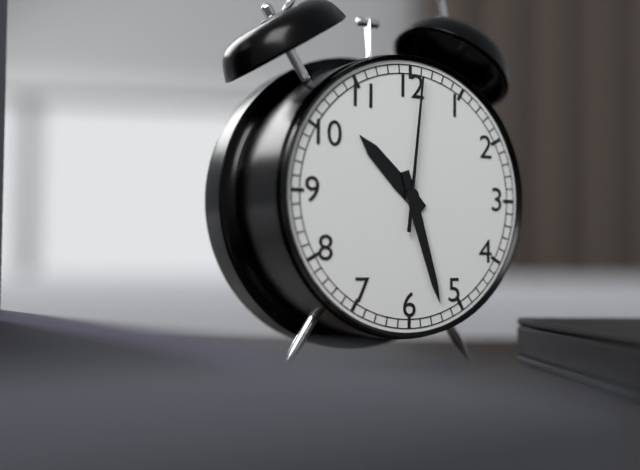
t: h=10 m=27 s=1
